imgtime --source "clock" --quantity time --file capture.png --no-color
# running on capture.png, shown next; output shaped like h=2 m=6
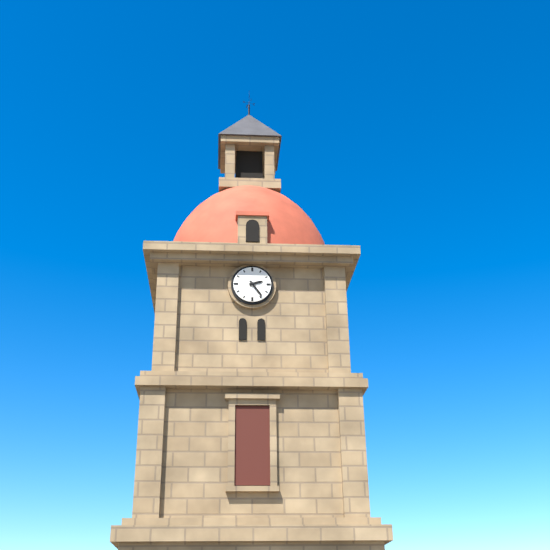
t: h=2 m=24
